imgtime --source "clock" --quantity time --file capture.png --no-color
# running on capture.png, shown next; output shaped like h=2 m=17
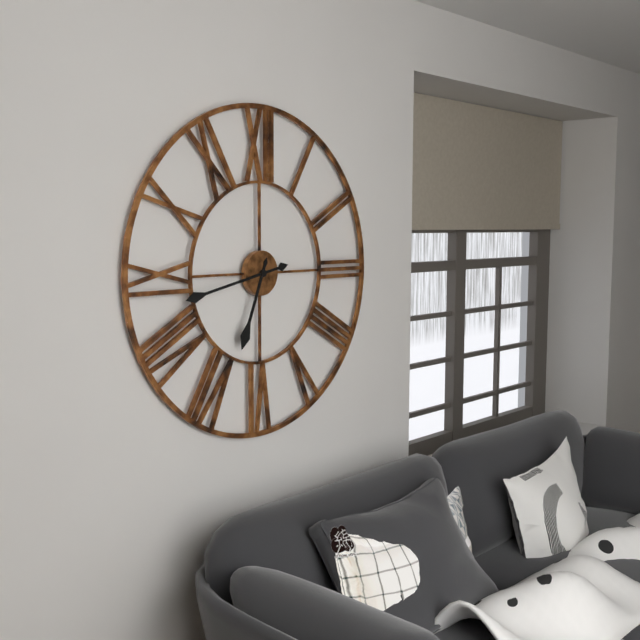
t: h=6 m=43
